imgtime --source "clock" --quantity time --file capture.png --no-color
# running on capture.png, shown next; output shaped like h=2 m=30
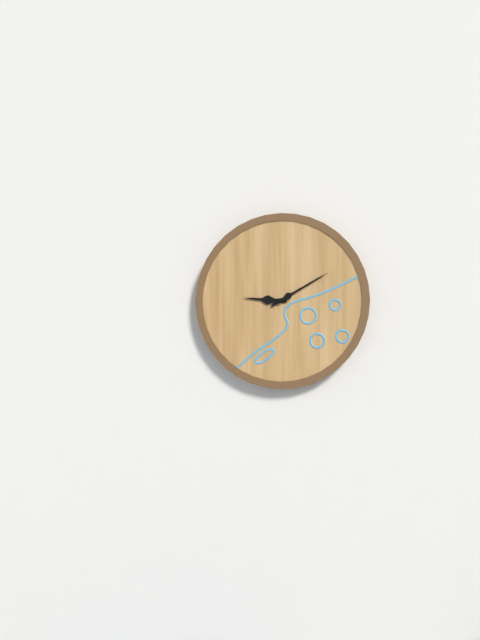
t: h=9 m=10
